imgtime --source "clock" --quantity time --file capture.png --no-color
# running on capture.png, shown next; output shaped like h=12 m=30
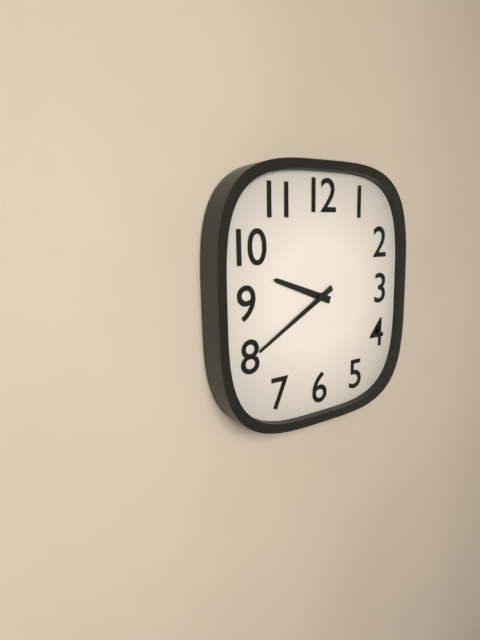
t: h=9 m=40
